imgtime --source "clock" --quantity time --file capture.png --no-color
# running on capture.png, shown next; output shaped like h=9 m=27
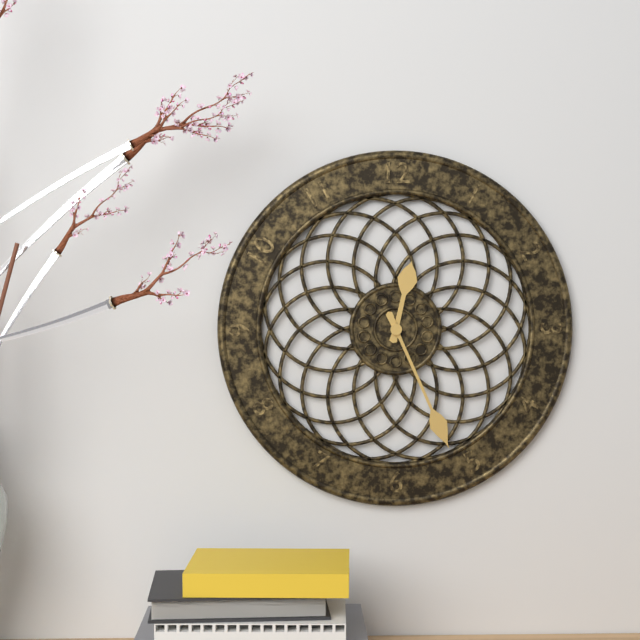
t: h=12 m=26
